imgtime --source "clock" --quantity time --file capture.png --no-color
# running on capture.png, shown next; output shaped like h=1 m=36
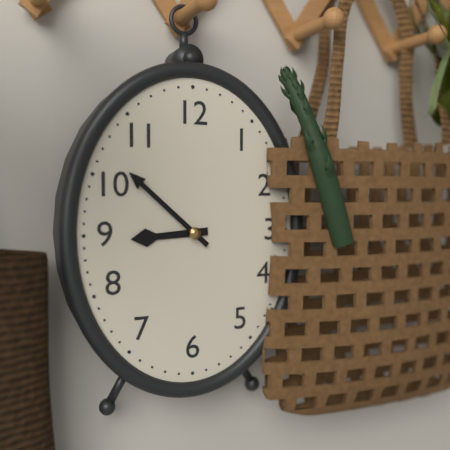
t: h=8 m=52
